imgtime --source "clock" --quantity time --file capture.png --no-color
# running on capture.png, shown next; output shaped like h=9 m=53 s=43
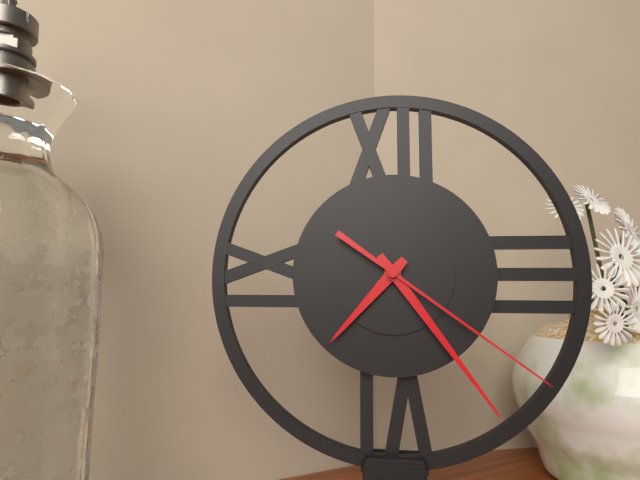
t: h=7 m=24 s=21
